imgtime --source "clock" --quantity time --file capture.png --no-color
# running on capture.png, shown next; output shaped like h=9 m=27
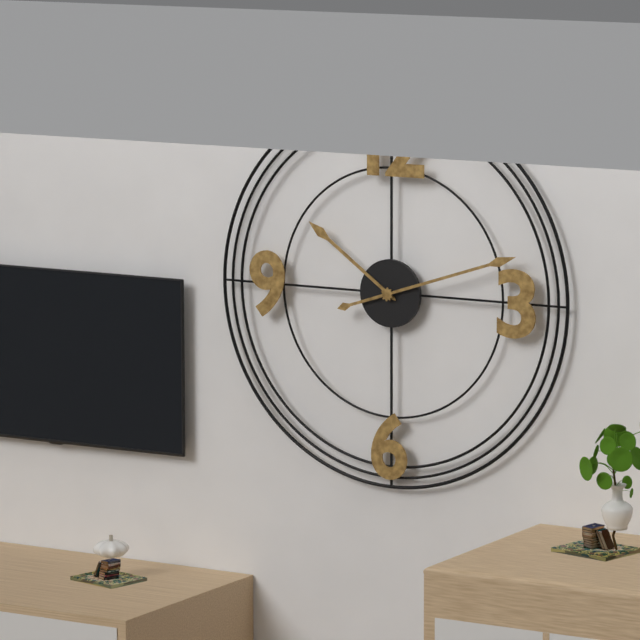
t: h=10 m=12
